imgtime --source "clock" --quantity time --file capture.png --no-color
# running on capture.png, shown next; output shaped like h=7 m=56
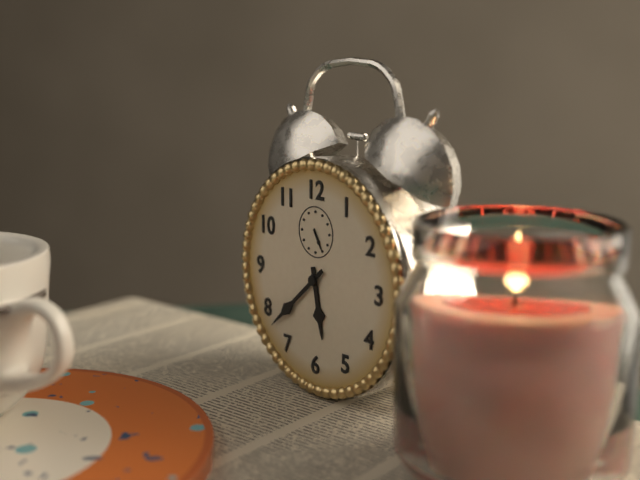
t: h=5 m=38
